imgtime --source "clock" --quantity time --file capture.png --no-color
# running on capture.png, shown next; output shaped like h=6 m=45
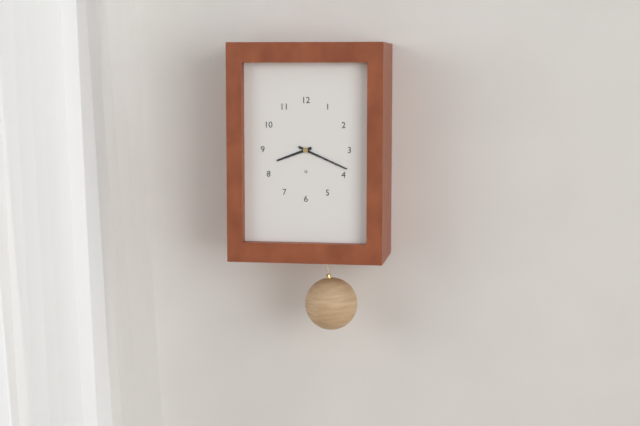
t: h=8 m=19
